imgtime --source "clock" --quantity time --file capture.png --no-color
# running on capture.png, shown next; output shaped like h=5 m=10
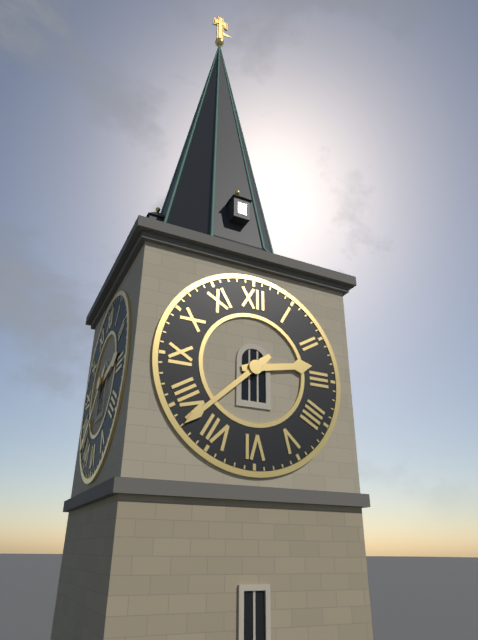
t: h=2 m=38
